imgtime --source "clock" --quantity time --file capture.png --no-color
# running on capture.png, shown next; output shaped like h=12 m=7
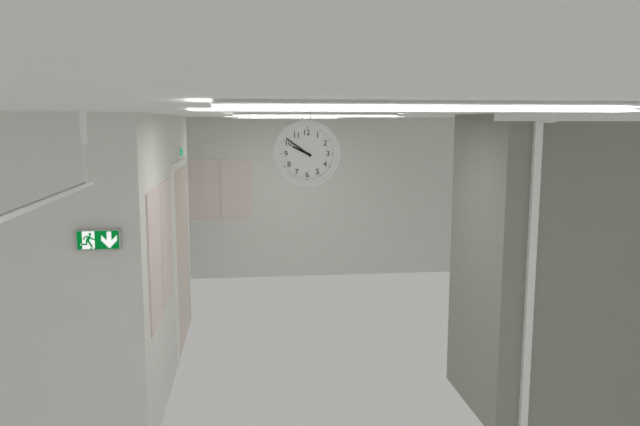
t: h=9 m=51
